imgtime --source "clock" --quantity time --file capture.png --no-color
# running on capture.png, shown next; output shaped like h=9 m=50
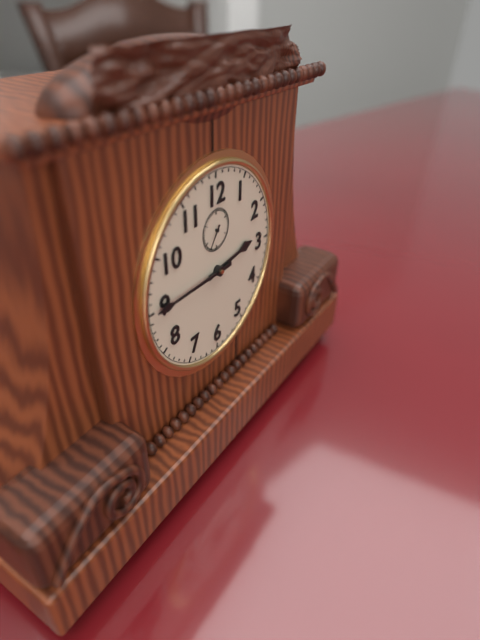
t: h=2 m=45
